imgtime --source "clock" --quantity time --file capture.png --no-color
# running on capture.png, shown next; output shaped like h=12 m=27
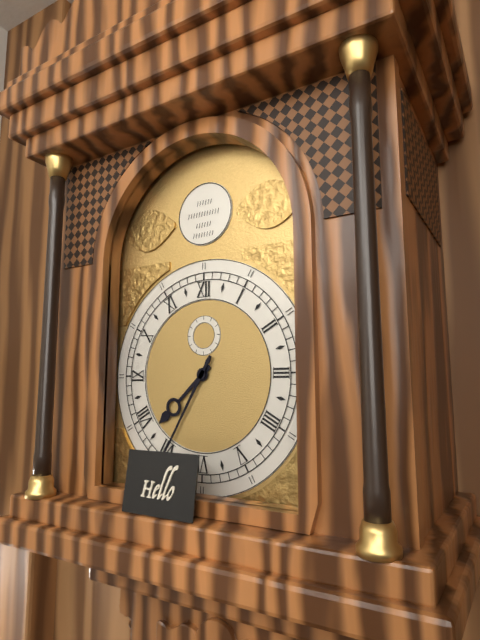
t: h=7 m=35
